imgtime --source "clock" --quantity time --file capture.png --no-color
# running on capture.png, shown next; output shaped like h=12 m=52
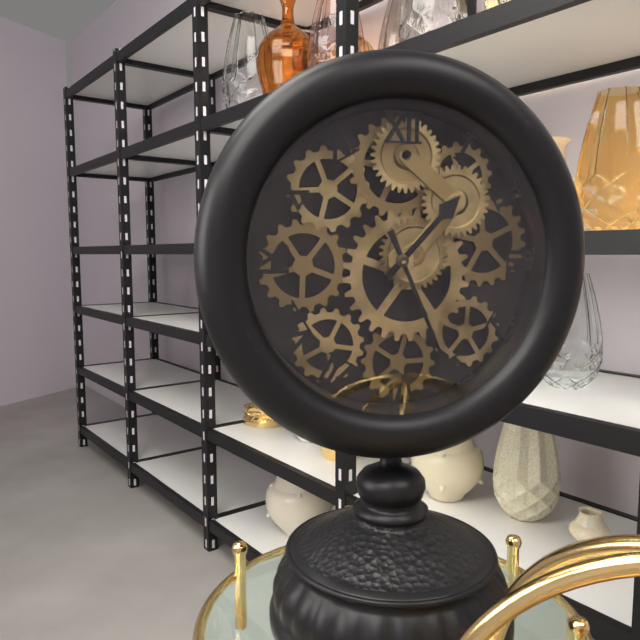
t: h=1 m=26
